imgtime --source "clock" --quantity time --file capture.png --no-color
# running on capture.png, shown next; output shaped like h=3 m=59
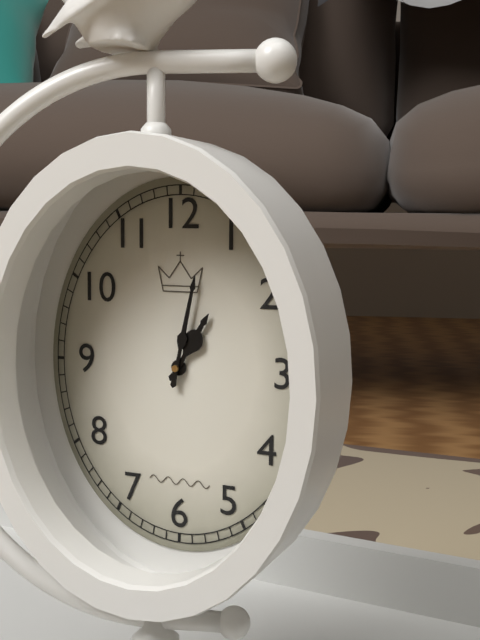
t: h=1 m=2
